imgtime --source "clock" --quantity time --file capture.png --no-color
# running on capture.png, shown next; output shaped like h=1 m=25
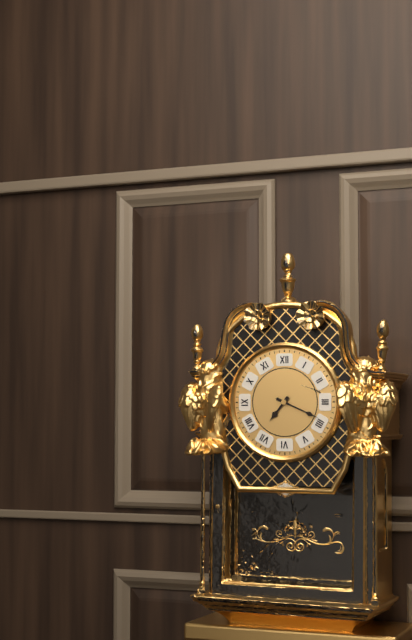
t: h=7 m=19
